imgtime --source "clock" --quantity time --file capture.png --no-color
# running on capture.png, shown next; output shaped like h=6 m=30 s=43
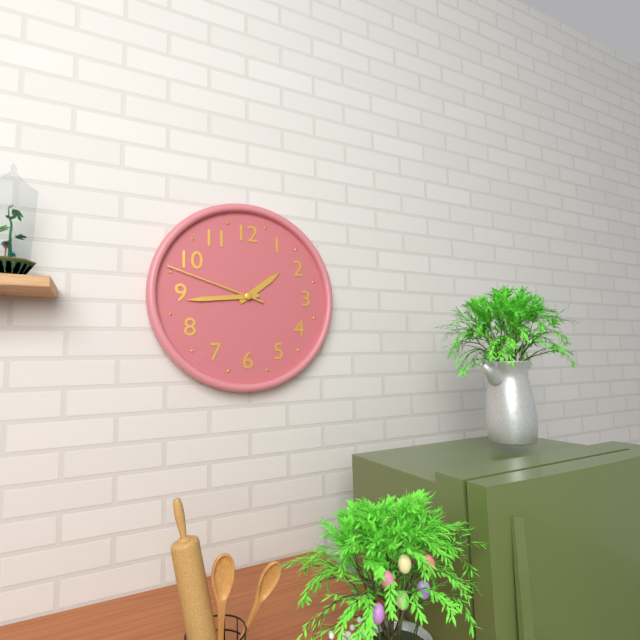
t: h=1 m=44 s=48
